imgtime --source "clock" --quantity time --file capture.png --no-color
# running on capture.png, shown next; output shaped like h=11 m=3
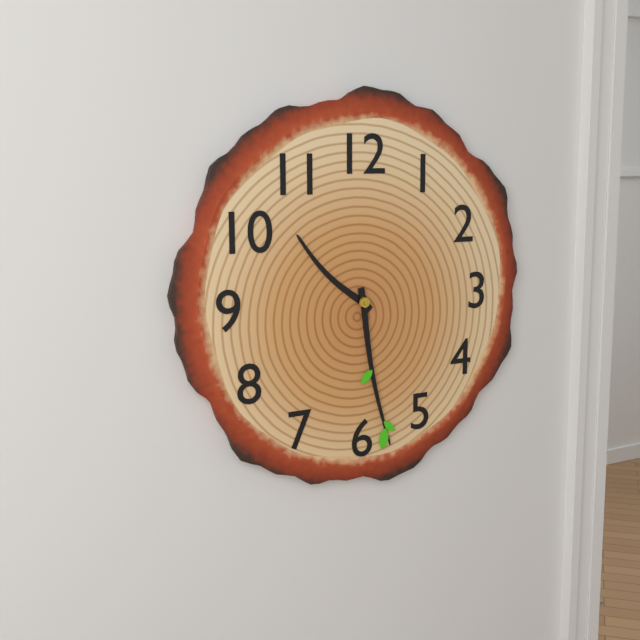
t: h=10 m=28
